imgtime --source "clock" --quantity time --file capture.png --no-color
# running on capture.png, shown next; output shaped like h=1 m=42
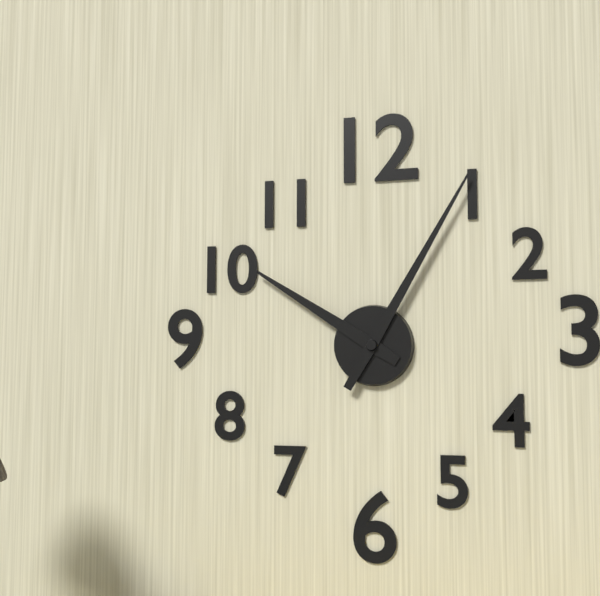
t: h=10 m=5
